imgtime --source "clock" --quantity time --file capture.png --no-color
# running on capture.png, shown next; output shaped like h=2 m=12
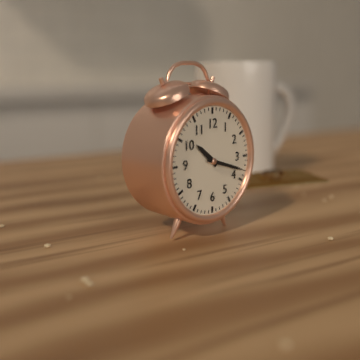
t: h=10 m=18
